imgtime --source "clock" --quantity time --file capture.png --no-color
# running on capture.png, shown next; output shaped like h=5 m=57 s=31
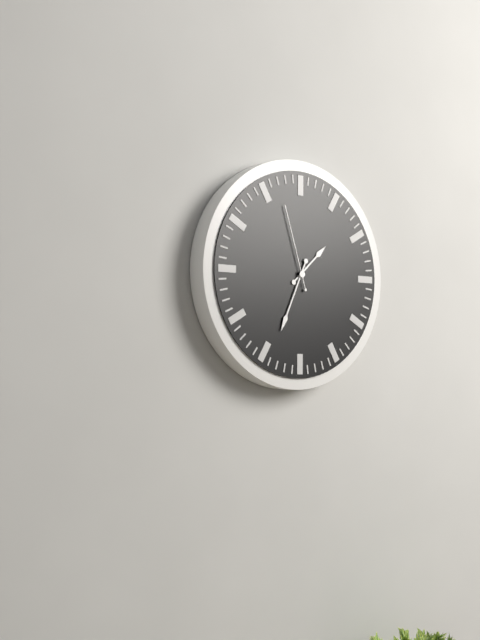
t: h=1 m=34 s=57
